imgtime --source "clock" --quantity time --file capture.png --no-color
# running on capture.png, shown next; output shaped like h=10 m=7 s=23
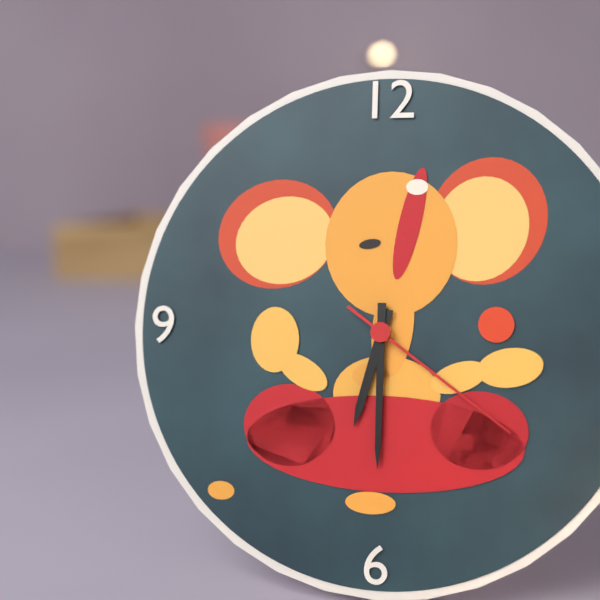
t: h=6 m=30 s=21
